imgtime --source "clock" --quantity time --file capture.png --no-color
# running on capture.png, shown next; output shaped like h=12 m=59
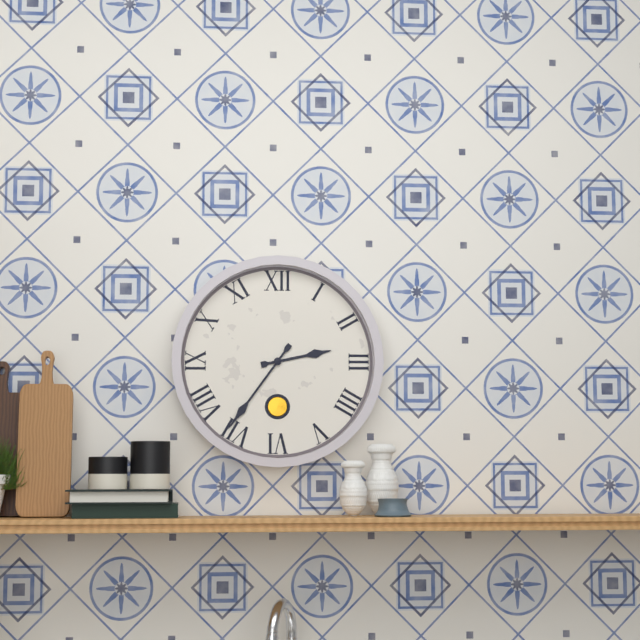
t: h=2 m=36
